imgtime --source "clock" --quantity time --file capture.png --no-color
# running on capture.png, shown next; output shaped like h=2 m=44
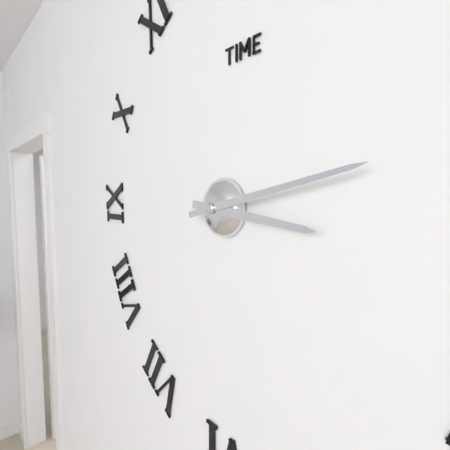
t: h=3 m=13
